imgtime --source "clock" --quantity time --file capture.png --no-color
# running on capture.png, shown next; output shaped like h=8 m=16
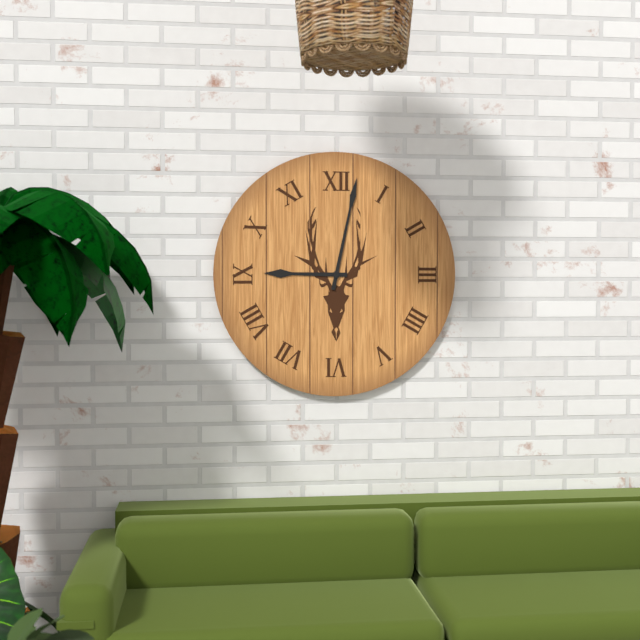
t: h=9 m=2
